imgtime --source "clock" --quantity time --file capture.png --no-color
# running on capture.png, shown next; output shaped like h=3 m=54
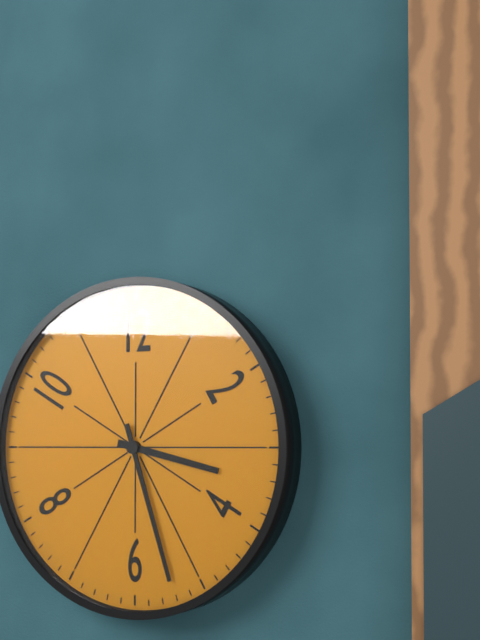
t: h=3 m=27
